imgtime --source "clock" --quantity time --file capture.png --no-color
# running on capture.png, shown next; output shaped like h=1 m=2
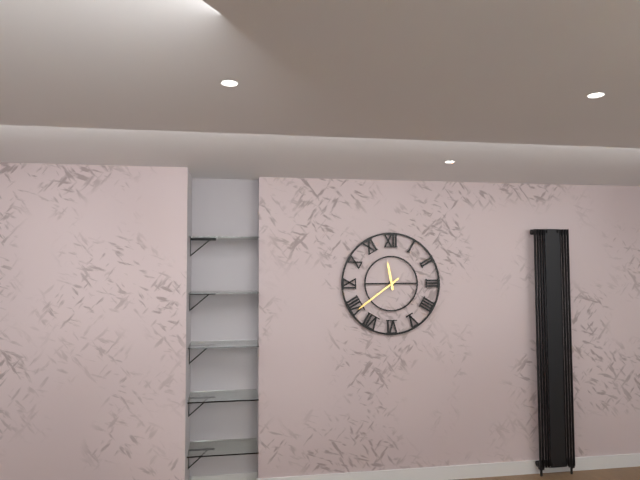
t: h=11 m=39
